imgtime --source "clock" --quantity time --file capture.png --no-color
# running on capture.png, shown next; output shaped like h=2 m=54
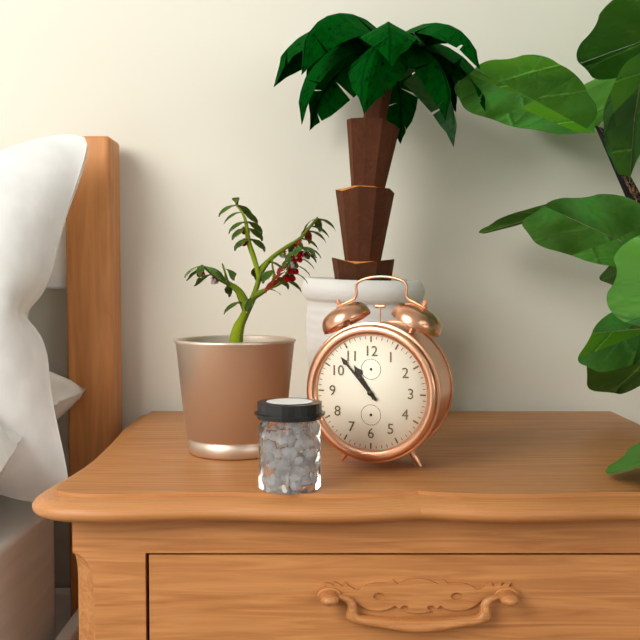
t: h=10 m=53
